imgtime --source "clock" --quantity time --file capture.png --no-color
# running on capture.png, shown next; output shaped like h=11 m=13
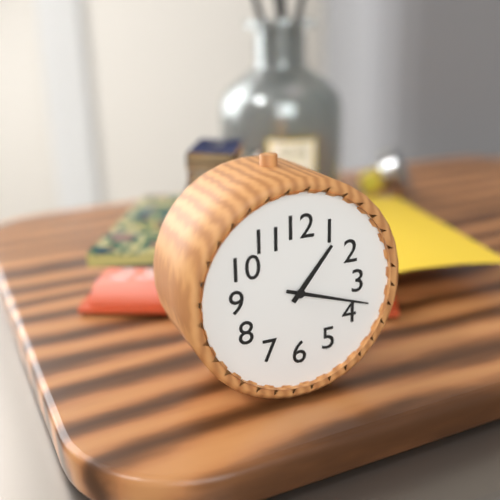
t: h=1 m=18
